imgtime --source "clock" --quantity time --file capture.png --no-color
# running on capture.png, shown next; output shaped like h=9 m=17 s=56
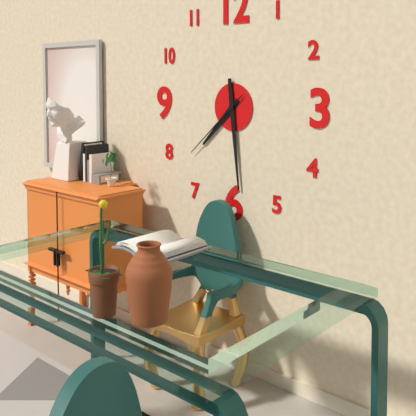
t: h=7 m=29 s=38
